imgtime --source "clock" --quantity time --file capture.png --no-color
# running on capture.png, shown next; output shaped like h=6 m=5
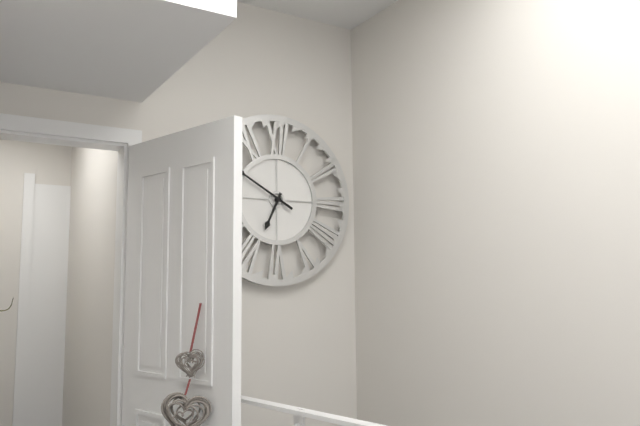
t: h=6 m=50
